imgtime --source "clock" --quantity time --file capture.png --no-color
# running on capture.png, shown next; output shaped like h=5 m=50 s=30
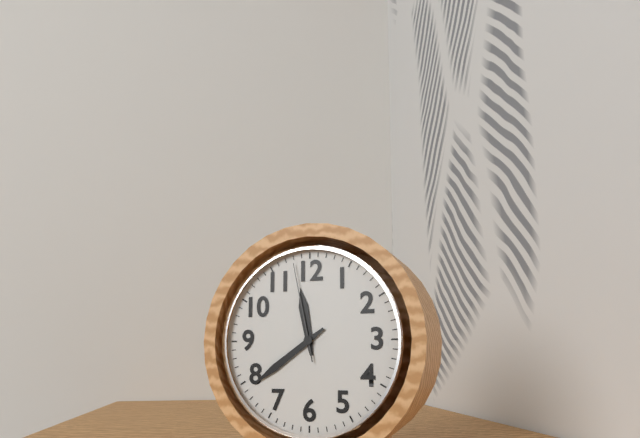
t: h=11 m=39 s=58
